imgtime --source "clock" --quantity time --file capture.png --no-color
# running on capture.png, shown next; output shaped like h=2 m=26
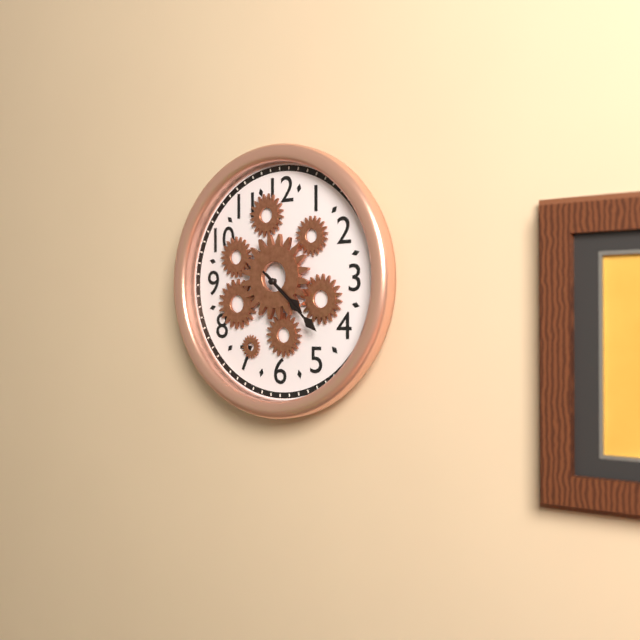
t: h=4 m=22
